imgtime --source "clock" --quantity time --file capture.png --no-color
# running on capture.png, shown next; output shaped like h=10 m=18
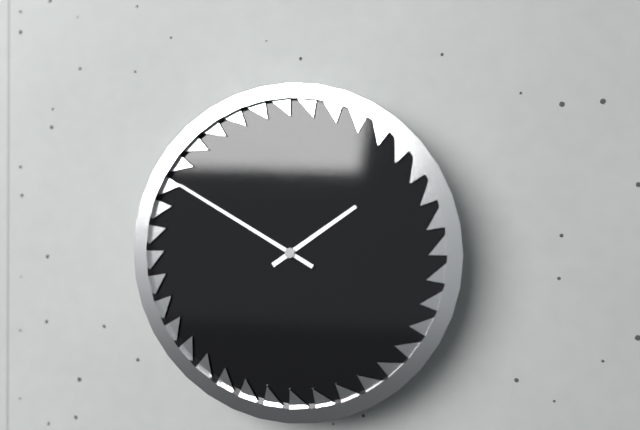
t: h=1 m=50
